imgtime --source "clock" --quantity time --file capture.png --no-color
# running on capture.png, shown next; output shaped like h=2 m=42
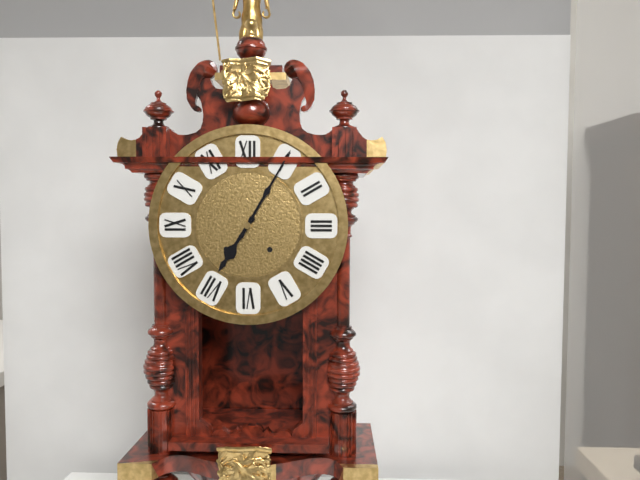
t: h=7 m=5
